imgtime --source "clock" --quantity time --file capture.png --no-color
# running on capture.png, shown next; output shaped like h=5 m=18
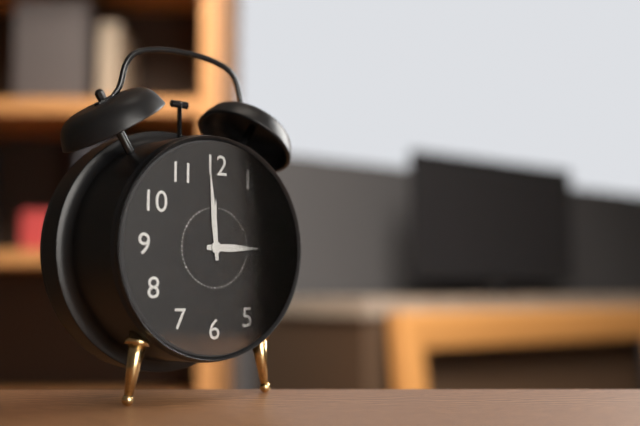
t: h=2 m=59
